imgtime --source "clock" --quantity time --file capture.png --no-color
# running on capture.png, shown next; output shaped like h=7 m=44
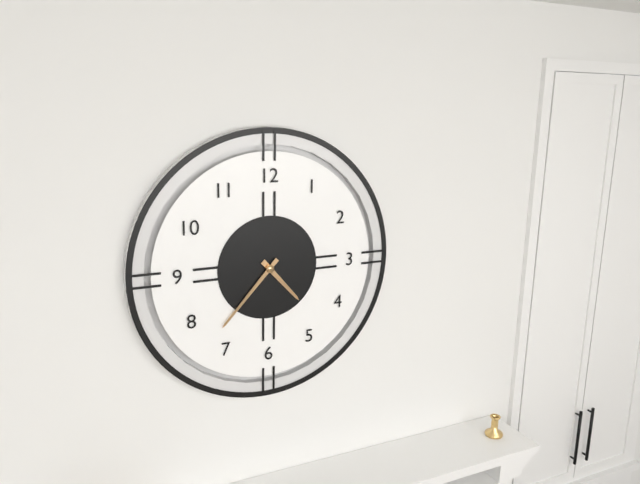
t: h=4 m=37
